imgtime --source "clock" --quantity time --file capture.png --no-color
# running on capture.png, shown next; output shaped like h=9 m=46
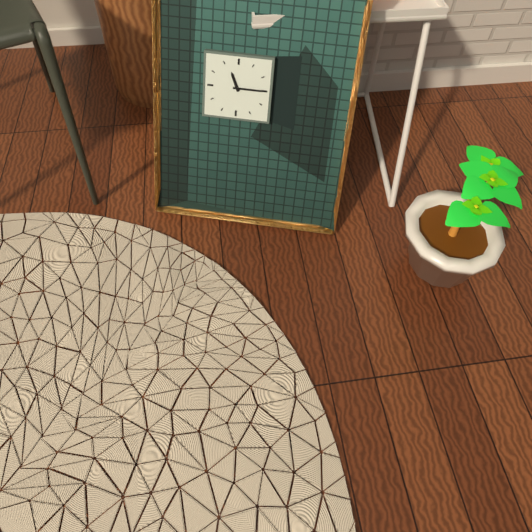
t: h=11 m=15
